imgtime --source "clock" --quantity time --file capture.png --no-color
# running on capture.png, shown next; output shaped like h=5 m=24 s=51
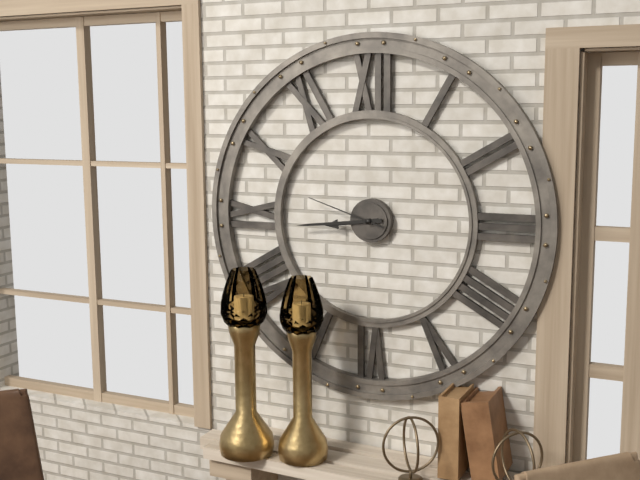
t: h=8 m=44 s=48
